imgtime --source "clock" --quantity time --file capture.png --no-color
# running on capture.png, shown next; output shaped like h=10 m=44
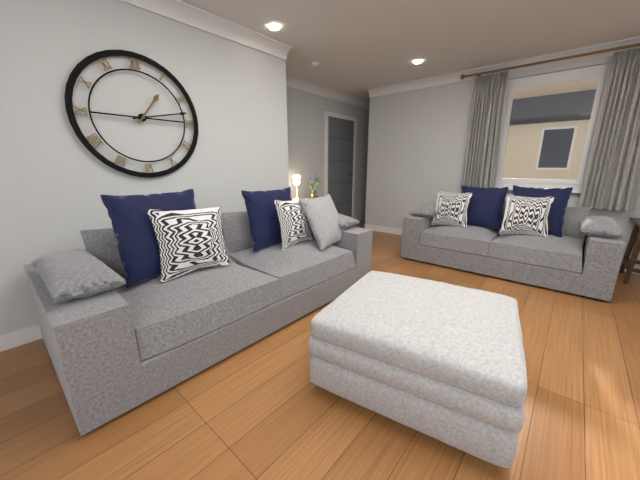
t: h=1 m=13
